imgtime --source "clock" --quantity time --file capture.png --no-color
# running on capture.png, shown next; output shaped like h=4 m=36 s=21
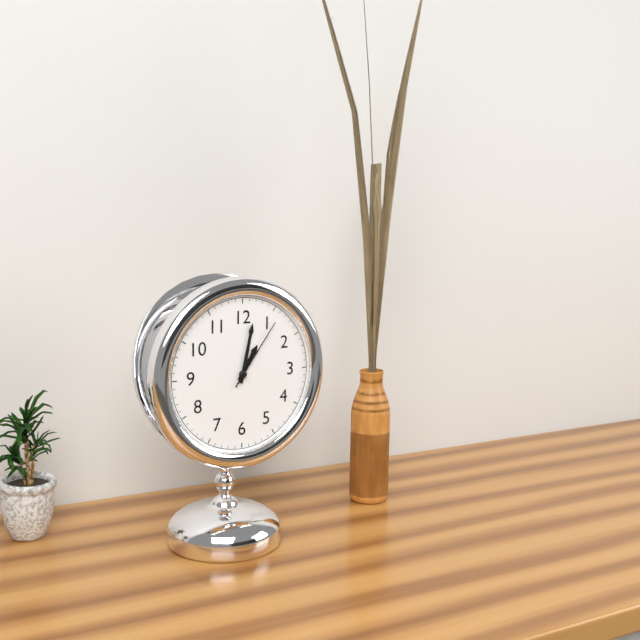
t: h=1 m=2 s=6
